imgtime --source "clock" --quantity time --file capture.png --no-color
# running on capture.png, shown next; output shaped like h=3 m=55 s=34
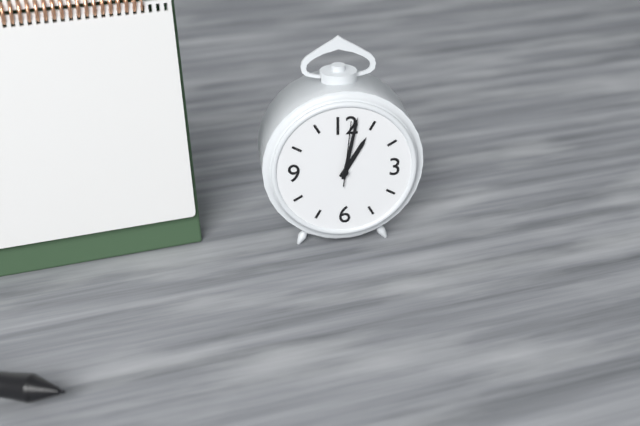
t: h=1 m=2 s=1
